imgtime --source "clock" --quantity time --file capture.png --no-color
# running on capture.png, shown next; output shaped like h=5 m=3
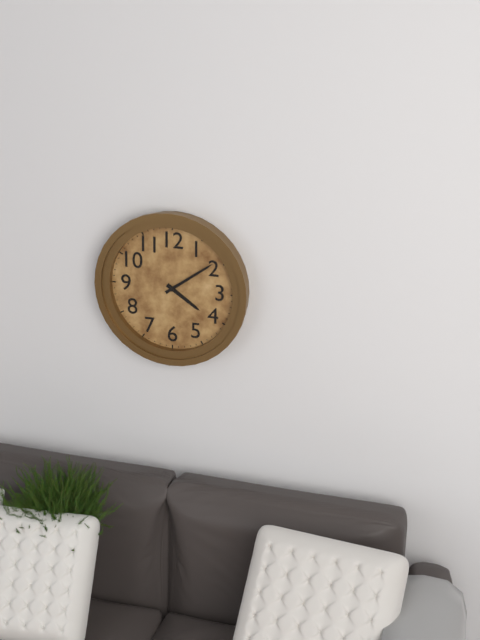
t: h=4 m=9
